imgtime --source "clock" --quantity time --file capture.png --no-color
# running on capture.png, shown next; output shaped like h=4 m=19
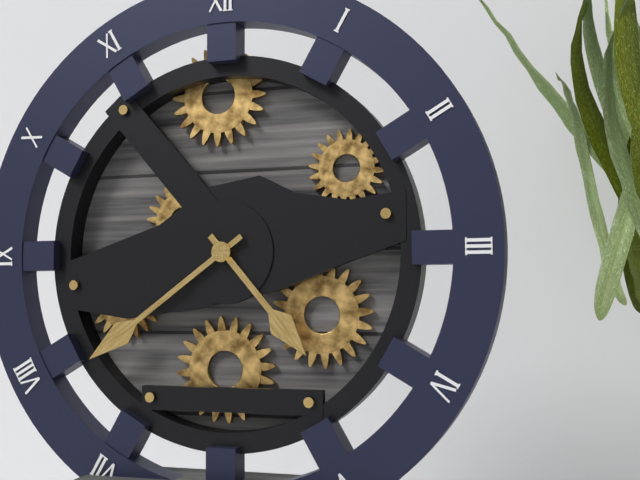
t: h=4 m=39
